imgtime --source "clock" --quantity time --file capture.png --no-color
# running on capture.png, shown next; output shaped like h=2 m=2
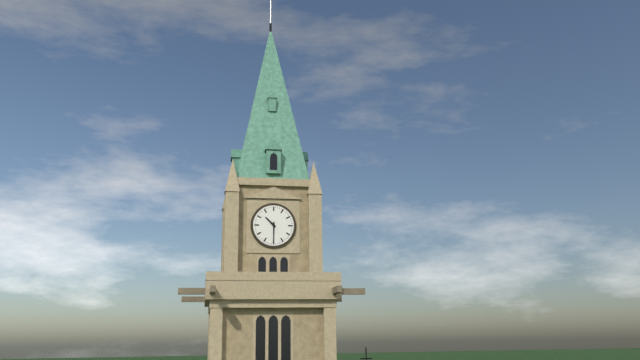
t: h=10 m=30
